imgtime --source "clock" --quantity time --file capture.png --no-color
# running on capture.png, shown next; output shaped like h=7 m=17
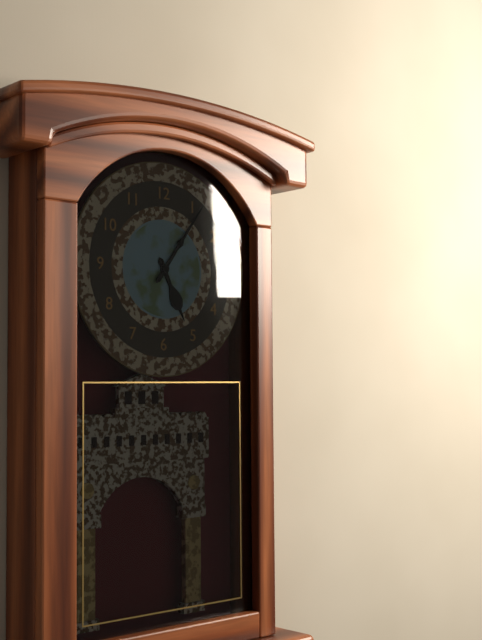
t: h=5 m=6
